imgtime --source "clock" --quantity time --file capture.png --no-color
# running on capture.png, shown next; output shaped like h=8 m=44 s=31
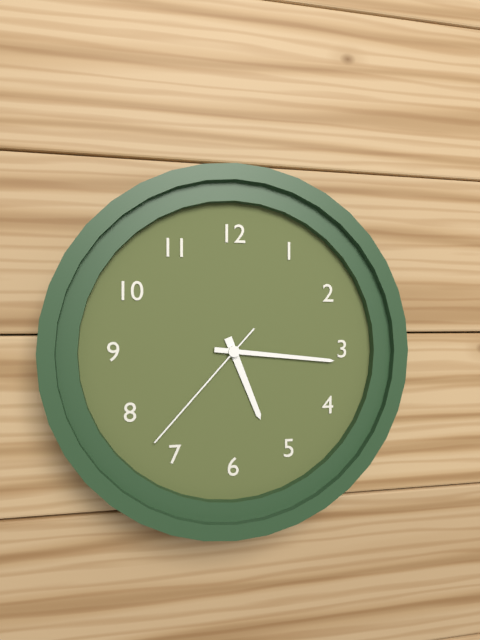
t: h=5 m=16 s=37
